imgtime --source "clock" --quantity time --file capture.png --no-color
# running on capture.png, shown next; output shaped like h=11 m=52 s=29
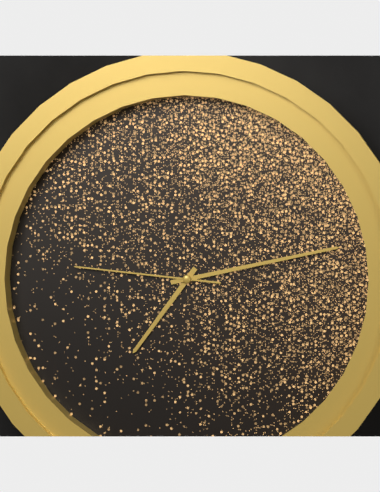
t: h=7 m=13 s=46
